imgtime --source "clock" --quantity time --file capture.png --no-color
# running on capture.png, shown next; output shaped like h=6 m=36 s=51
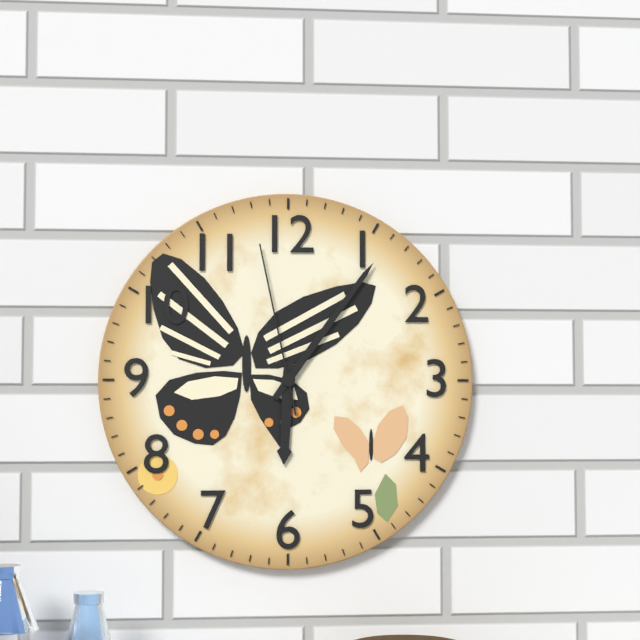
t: h=6 m=6 s=58
